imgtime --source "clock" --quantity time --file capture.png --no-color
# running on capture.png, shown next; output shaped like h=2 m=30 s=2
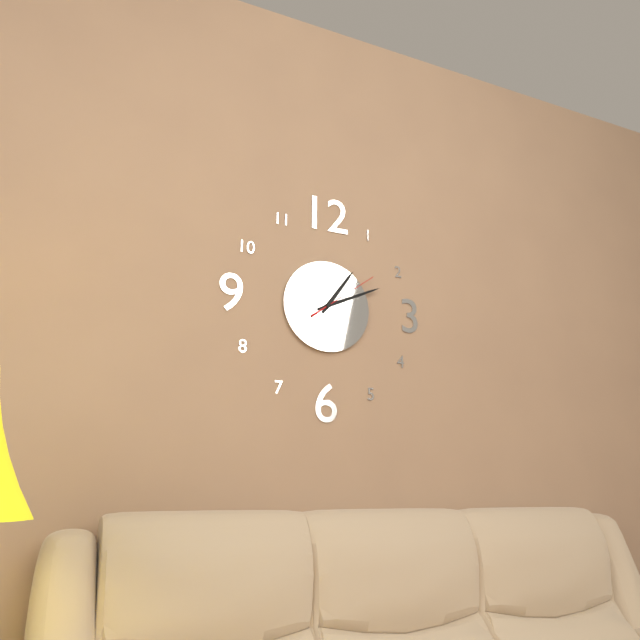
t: h=1 m=11 s=9
